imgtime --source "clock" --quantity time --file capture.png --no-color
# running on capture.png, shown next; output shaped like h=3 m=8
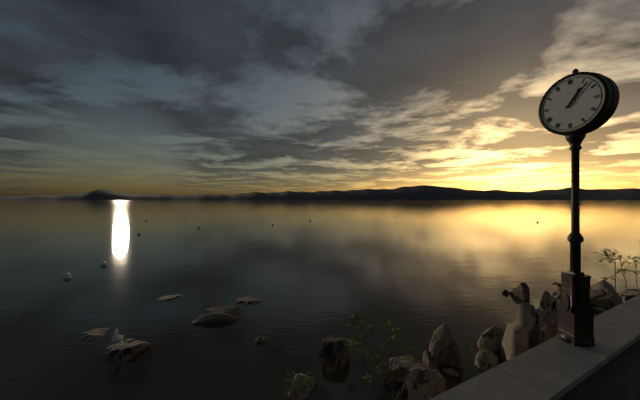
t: h=1 m=7
